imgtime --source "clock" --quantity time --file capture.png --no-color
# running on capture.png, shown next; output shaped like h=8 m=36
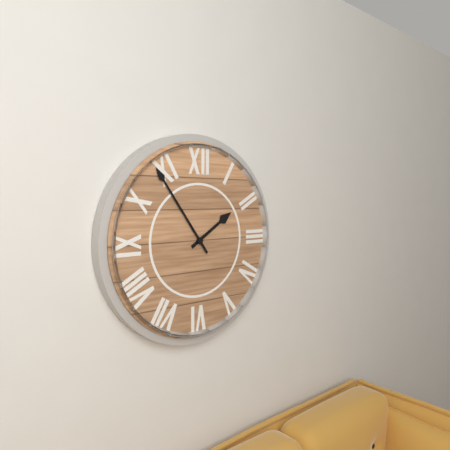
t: h=1 m=54
